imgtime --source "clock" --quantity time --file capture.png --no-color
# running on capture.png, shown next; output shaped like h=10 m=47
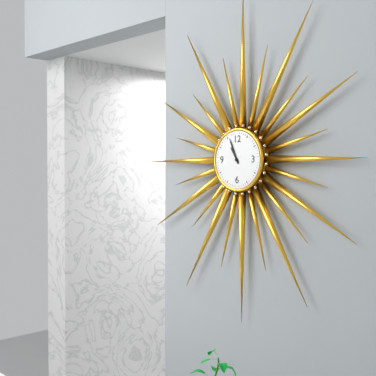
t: h=10 m=56
